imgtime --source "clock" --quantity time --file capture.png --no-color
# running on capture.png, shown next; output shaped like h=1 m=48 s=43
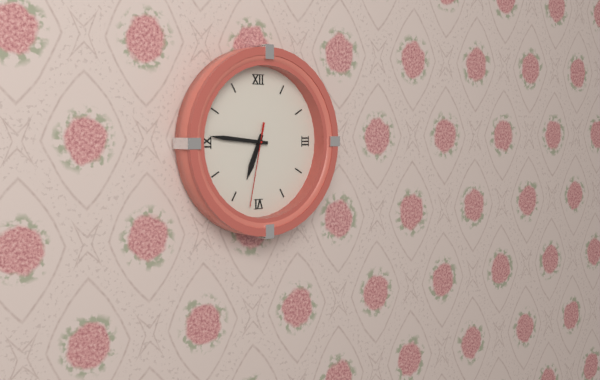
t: h=6 m=46 s=32
